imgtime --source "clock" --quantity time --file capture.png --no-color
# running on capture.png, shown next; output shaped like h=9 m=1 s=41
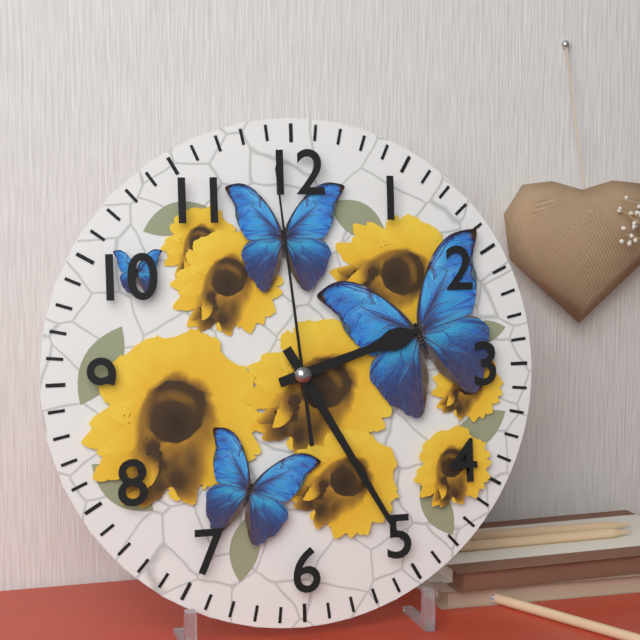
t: h=2 m=25 s=59
